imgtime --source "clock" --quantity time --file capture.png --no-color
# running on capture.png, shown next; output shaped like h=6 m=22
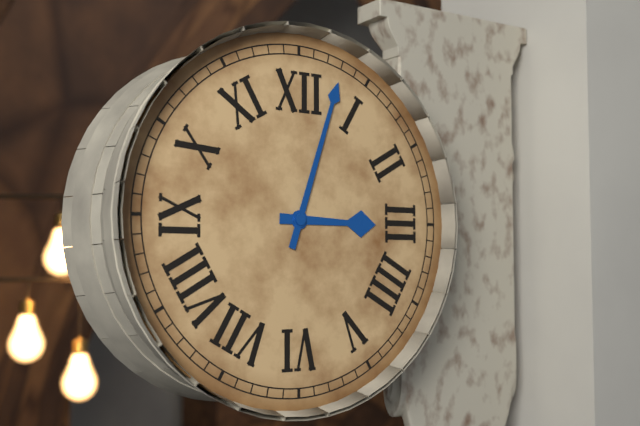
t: h=3 m=3
